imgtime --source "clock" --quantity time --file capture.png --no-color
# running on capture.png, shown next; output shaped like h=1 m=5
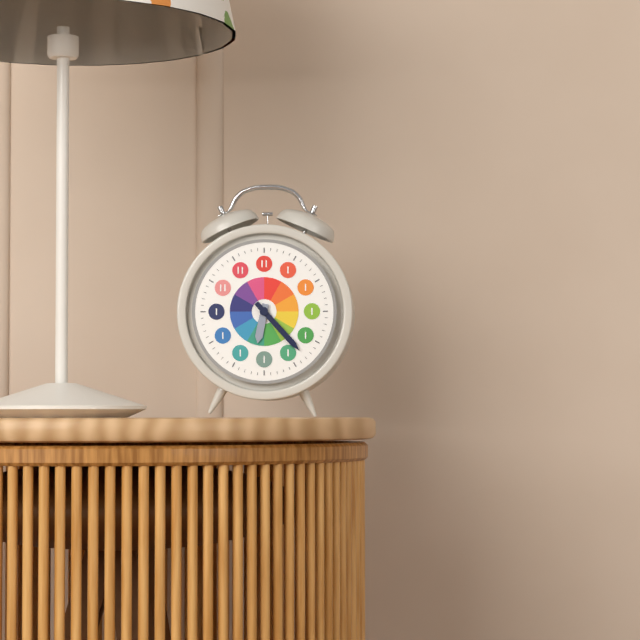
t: h=6 m=23
